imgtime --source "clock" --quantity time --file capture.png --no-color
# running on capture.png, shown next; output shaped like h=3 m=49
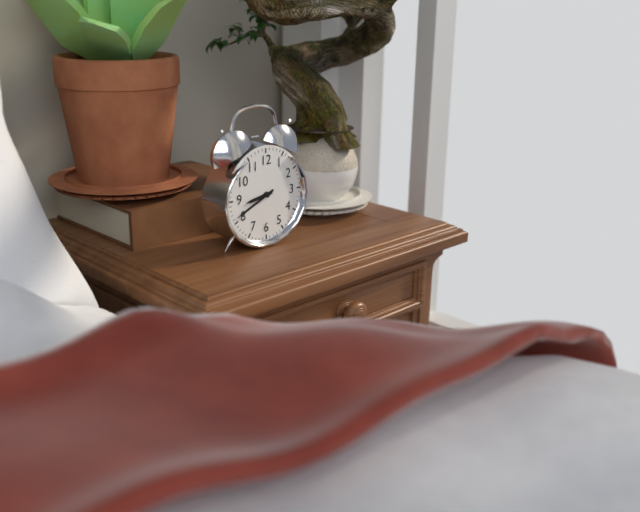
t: h=8 m=41
